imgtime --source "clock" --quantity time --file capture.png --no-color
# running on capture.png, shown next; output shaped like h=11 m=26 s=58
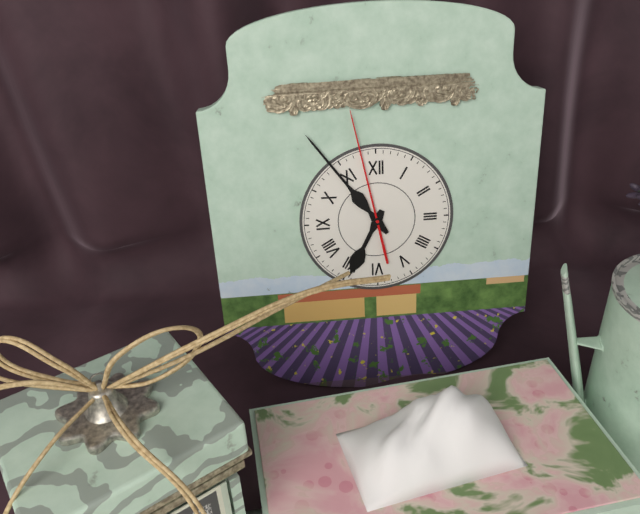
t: h=6 m=54 s=58
